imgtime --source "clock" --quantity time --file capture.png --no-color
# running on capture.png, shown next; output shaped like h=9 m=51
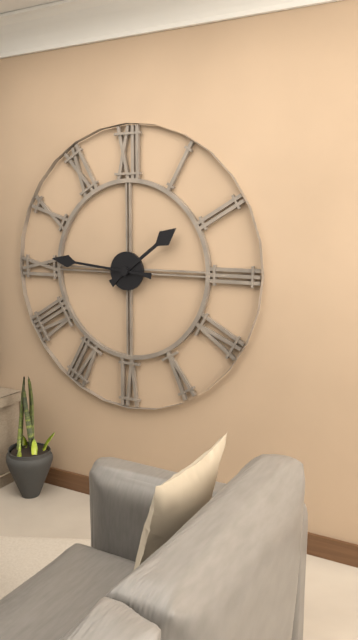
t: h=1 m=46
